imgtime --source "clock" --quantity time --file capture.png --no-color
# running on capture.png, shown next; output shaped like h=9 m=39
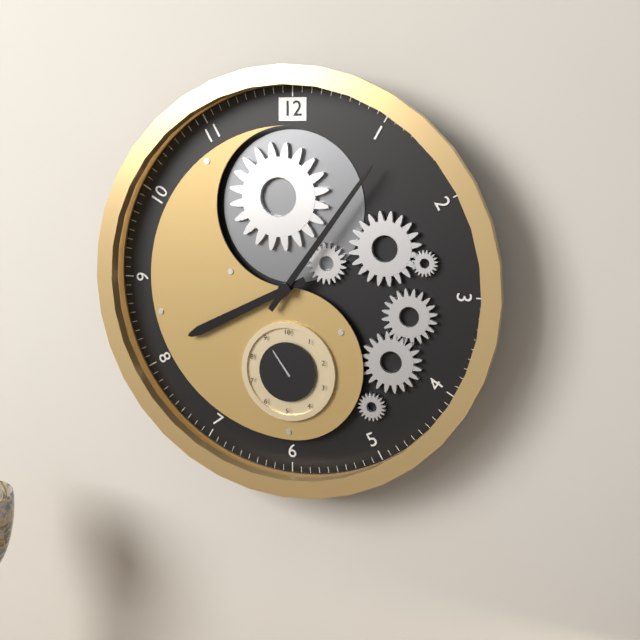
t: h=8 m=6
